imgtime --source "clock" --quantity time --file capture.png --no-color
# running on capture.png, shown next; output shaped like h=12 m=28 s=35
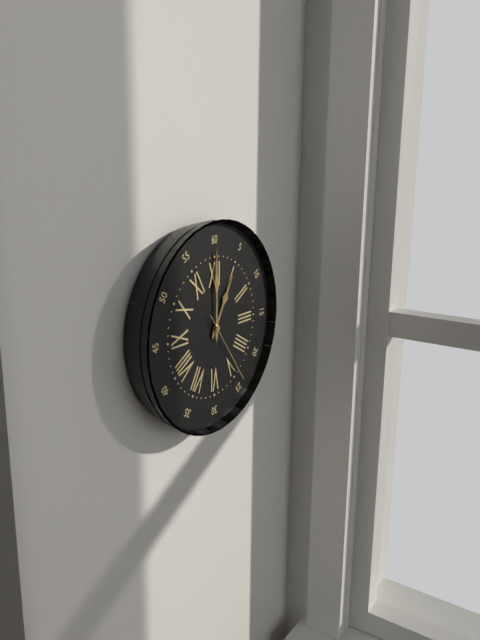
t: h=1 m=0 s=24
